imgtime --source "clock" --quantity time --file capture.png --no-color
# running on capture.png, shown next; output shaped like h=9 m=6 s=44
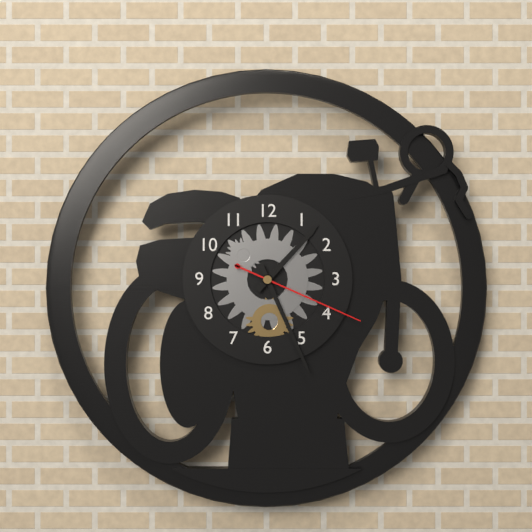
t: h=1 m=26 s=19
